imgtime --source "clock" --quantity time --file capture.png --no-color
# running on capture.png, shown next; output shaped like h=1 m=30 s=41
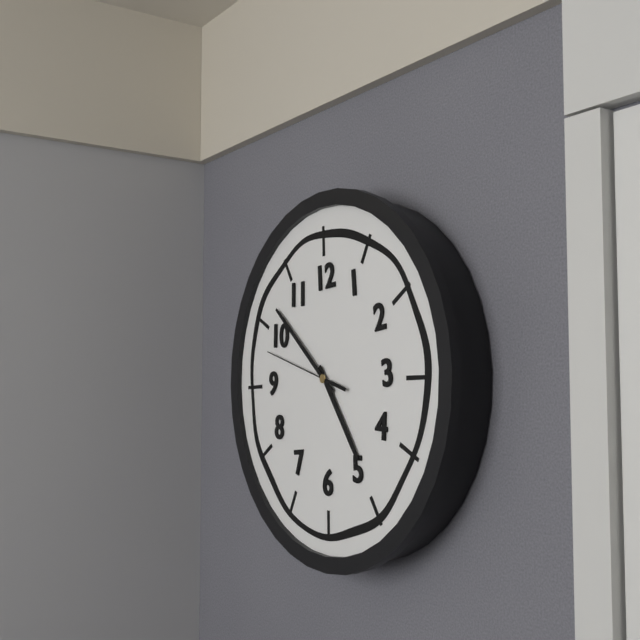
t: h=4 m=52 s=48
